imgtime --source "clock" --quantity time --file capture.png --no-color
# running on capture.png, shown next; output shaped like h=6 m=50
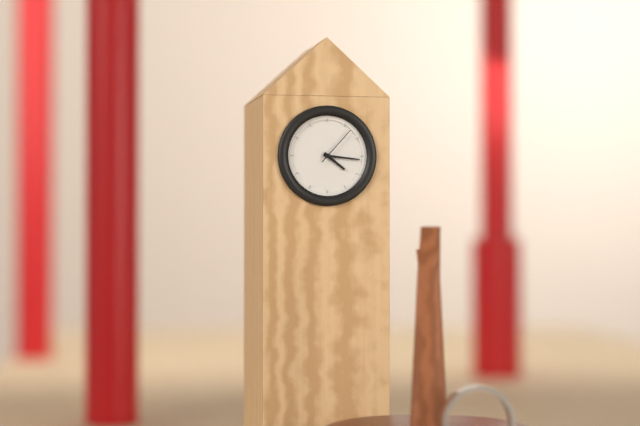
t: h=4 m=16
